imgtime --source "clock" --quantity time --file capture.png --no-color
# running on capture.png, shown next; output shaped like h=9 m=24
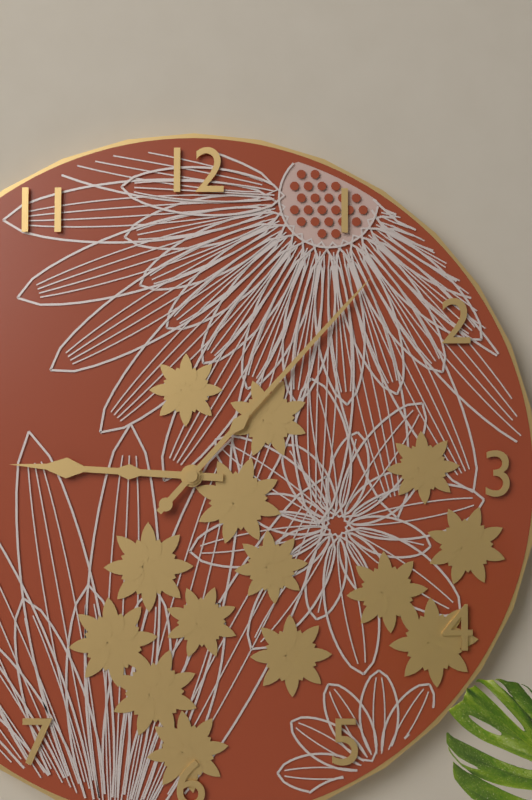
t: h=9 m=7
